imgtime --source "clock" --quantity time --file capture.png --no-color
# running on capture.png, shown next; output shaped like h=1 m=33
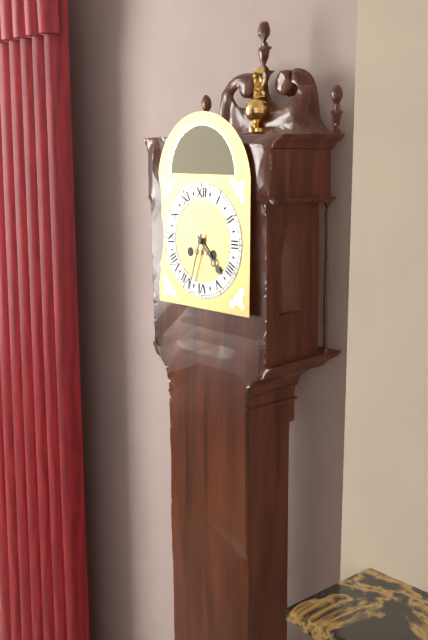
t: h=4 m=33
